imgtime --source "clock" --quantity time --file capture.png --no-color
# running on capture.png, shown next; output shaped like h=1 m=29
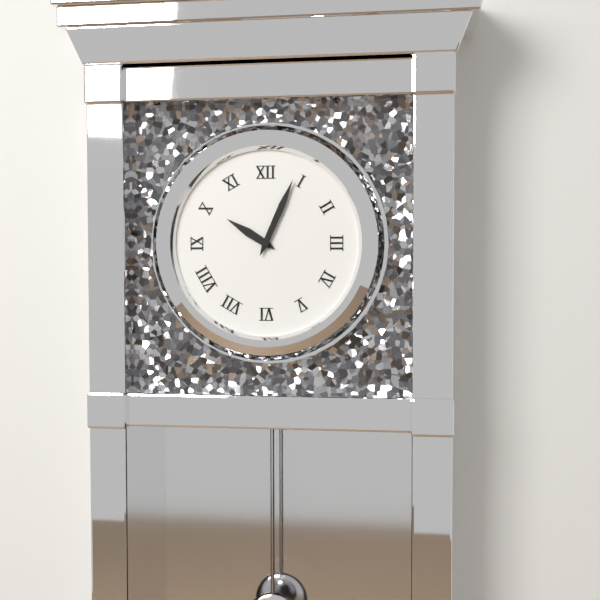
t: h=10 m=4
